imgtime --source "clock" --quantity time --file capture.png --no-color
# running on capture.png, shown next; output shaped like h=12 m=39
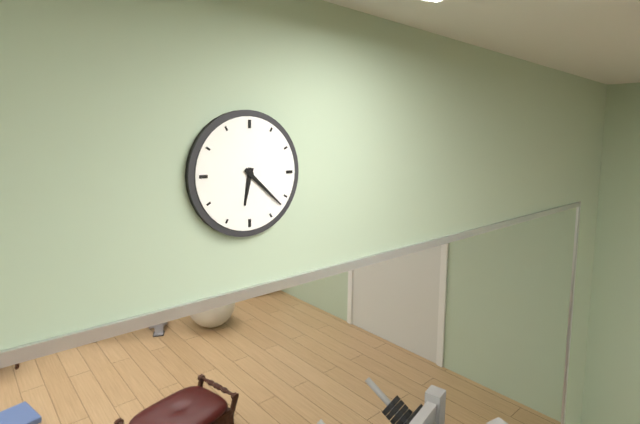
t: h=6 m=22
